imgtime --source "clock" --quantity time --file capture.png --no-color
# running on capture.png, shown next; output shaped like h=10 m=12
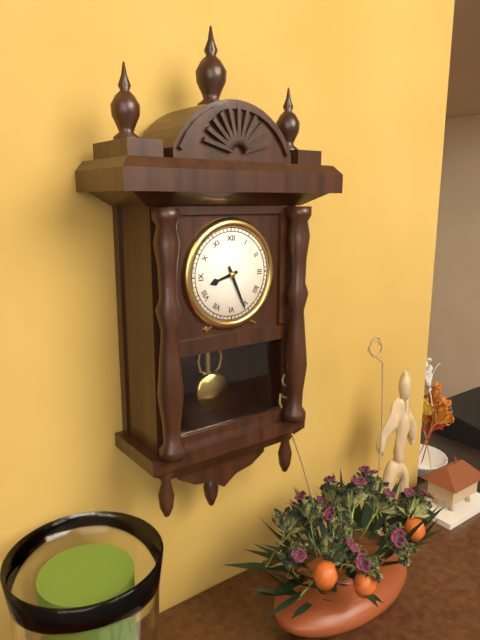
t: h=8 m=26
